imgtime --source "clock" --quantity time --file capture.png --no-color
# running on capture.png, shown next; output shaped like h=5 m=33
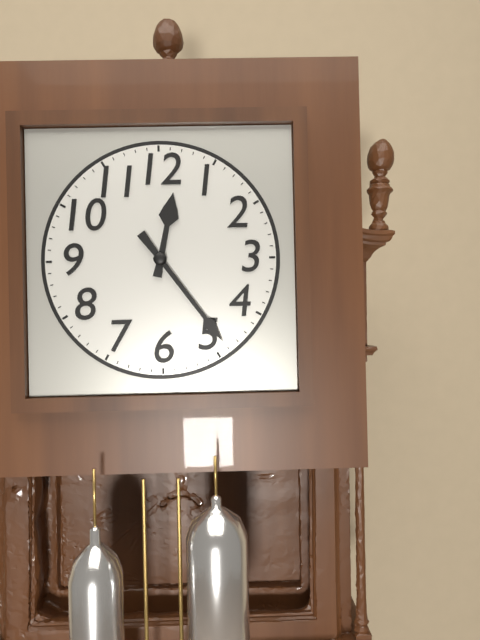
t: h=12 m=24
